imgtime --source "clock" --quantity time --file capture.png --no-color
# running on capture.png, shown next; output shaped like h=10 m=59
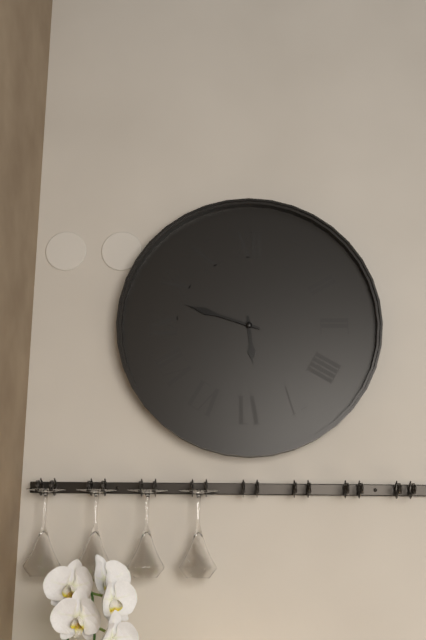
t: h=5 m=48
